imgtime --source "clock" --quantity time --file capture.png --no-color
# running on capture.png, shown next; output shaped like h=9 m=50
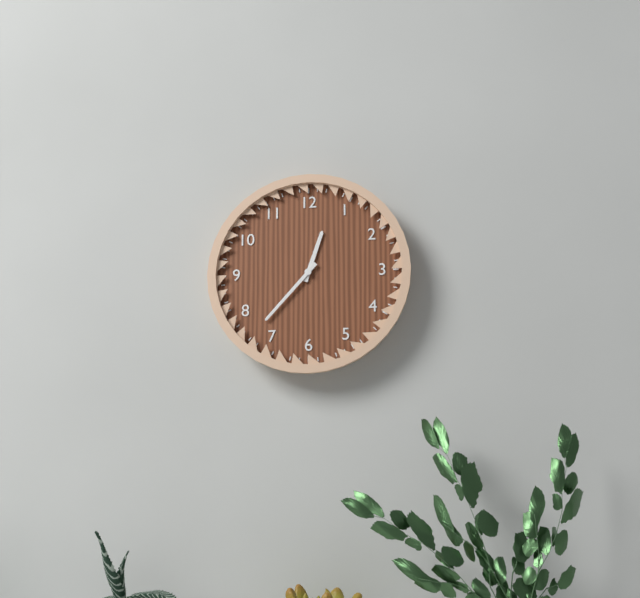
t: h=12 m=37
